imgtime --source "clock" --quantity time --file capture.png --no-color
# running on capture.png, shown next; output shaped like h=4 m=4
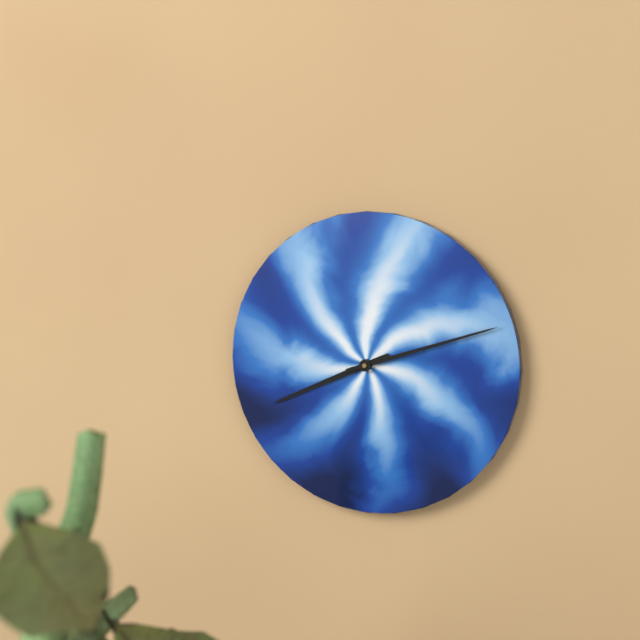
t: h=8 m=12
